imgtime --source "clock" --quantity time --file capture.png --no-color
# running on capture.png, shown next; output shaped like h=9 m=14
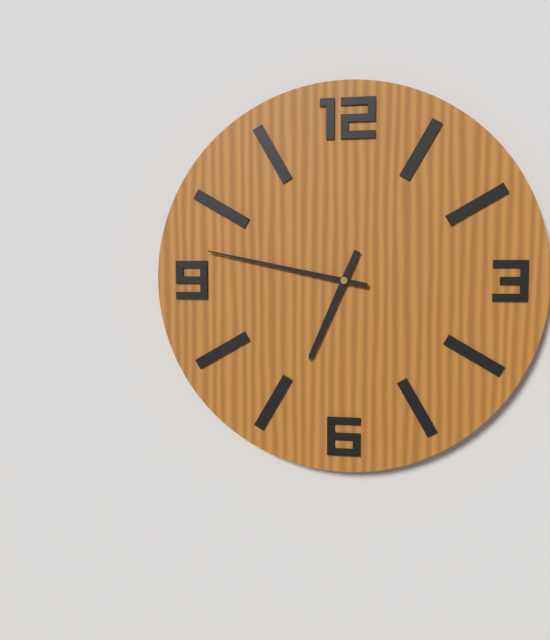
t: h=6 m=47
